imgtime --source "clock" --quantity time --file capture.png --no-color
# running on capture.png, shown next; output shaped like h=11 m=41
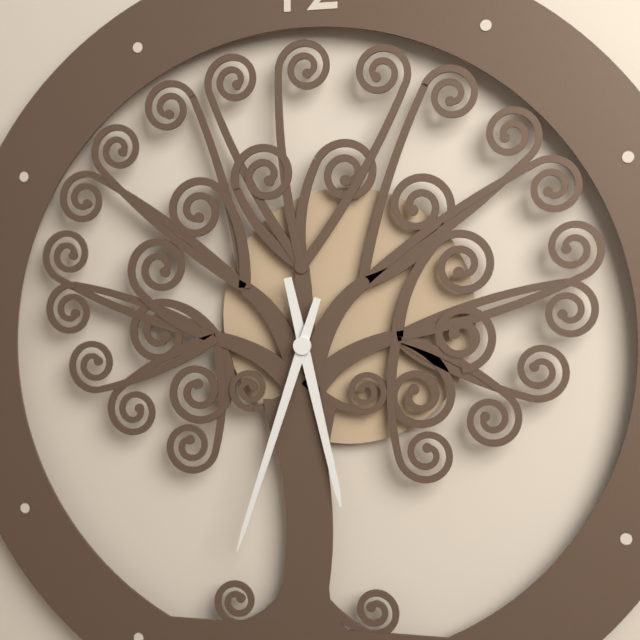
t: h=5 m=33
